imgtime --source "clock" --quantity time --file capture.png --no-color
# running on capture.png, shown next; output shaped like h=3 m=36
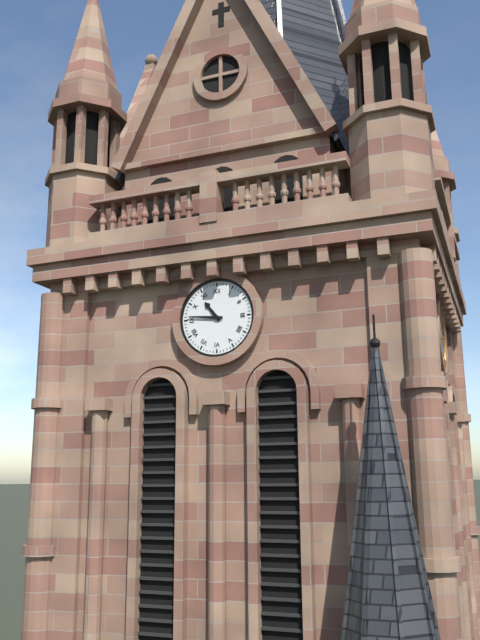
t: h=10 m=46
